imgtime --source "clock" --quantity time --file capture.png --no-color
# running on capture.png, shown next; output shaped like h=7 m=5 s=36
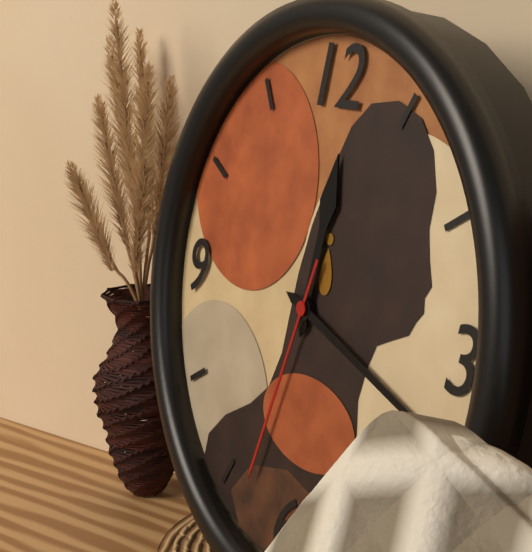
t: h=12 m=18 s=33
